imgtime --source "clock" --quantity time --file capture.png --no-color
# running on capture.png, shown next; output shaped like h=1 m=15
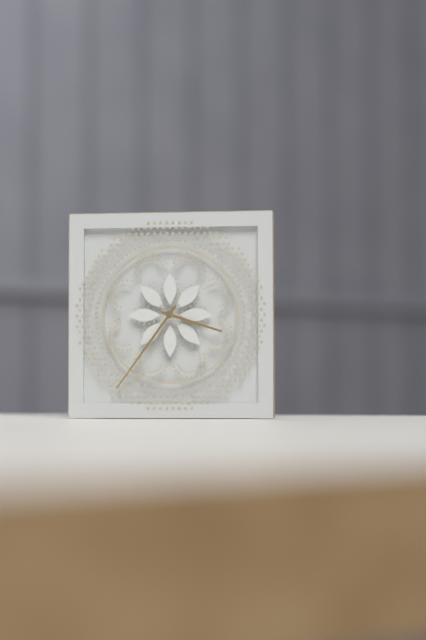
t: h=3 m=36
